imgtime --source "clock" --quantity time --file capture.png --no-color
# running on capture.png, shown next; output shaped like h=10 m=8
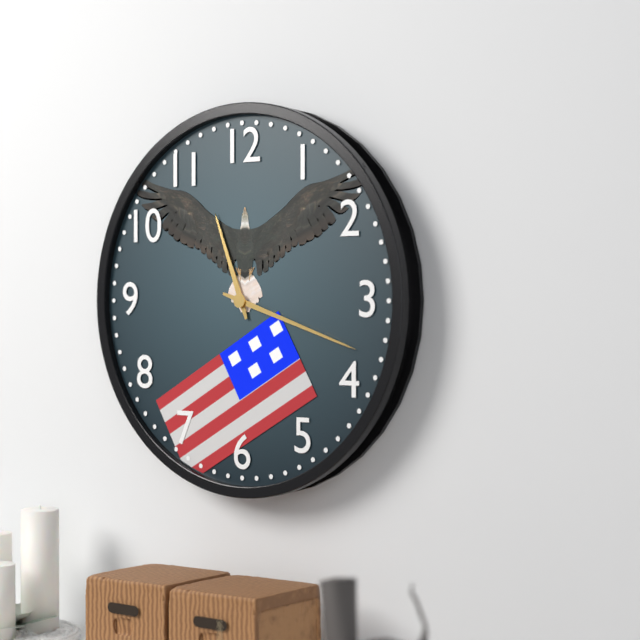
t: h=11 m=18
